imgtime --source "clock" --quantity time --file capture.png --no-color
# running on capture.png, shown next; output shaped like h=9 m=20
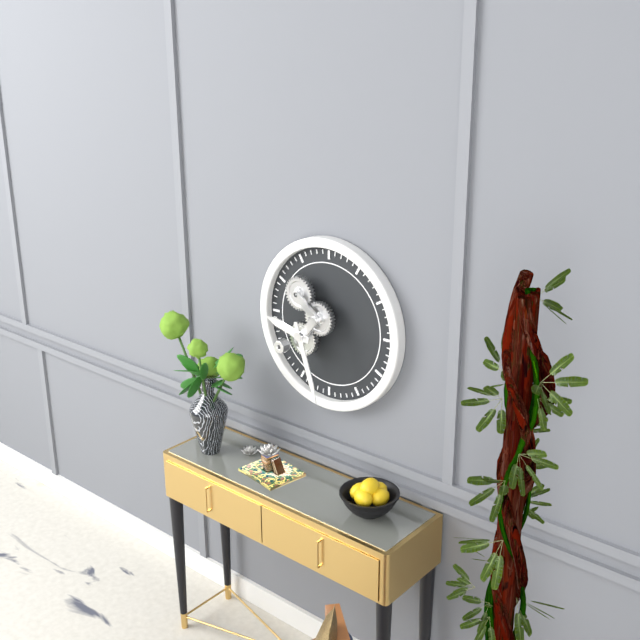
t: h=9 m=27
